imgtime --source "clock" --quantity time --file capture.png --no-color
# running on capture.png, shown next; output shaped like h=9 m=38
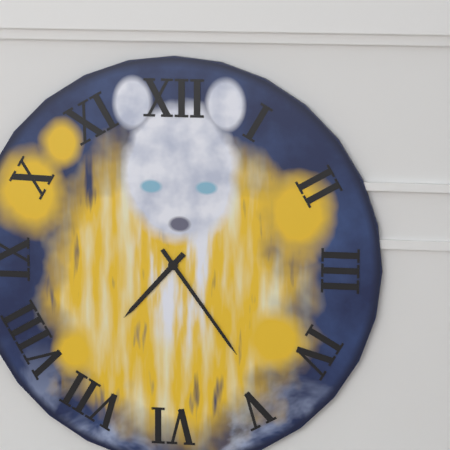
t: h=7 m=24
